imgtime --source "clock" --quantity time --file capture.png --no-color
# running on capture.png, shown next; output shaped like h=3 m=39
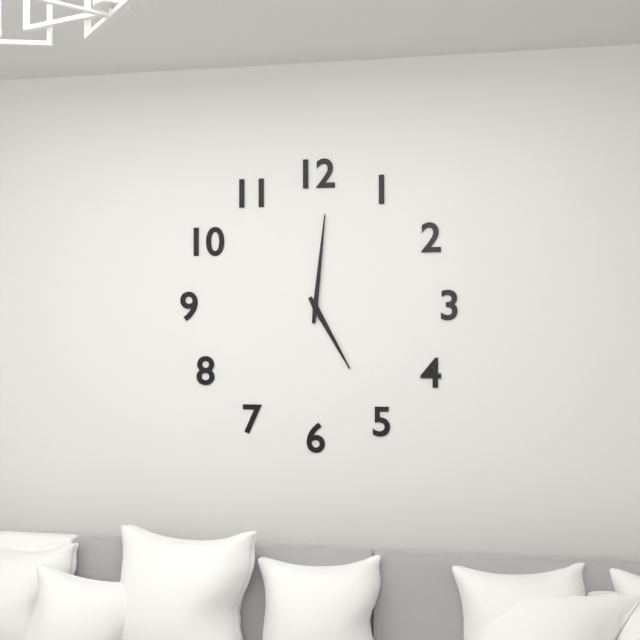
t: h=5 m=1
